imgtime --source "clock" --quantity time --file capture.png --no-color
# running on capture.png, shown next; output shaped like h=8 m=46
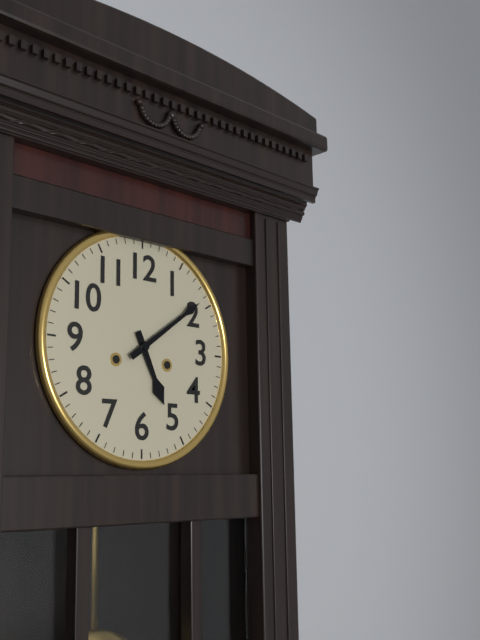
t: h=5 m=9
